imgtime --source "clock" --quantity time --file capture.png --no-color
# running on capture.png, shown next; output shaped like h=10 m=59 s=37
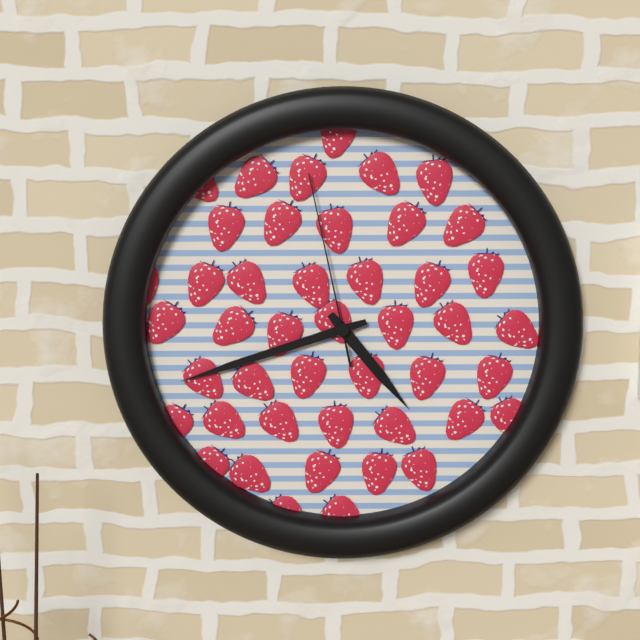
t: h=4 m=42 s=58
